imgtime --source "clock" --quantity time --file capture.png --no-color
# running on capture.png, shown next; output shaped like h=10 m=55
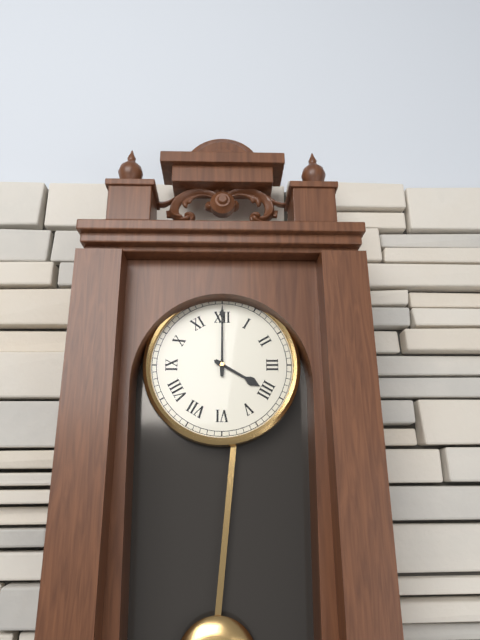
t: h=4 m=0
